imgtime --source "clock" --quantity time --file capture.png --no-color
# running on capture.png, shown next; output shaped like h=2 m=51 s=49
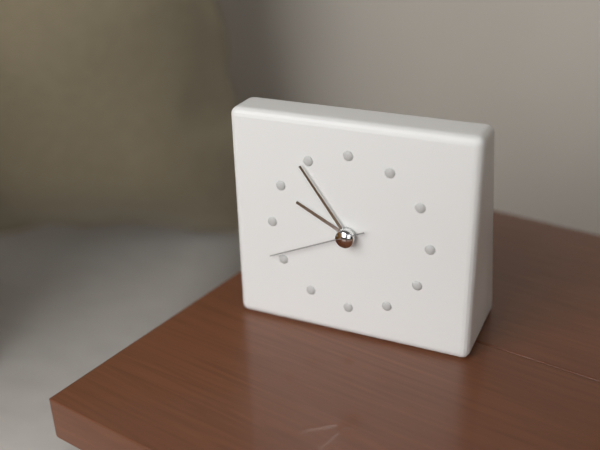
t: h=9 m=54 s=41
